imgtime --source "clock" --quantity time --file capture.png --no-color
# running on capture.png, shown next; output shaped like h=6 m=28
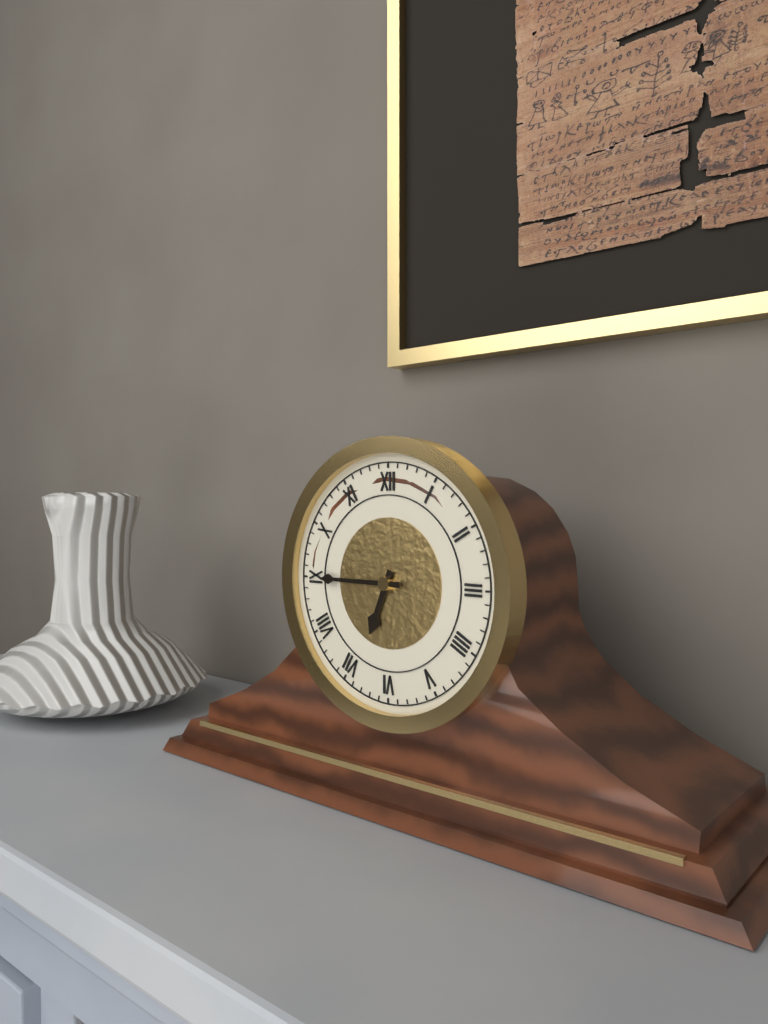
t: h=6 m=45
